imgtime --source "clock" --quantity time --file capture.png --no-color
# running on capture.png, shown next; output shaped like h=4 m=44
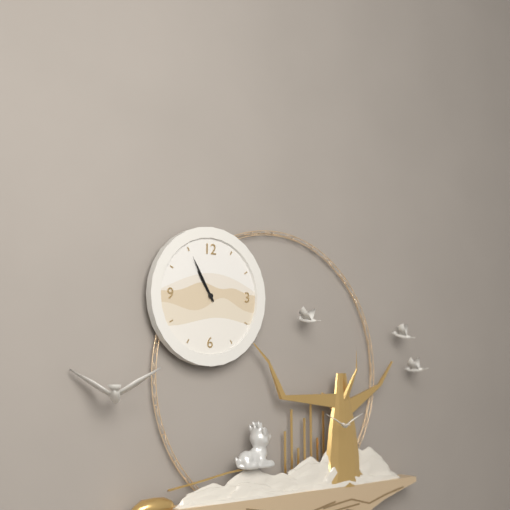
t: h=10 m=55
